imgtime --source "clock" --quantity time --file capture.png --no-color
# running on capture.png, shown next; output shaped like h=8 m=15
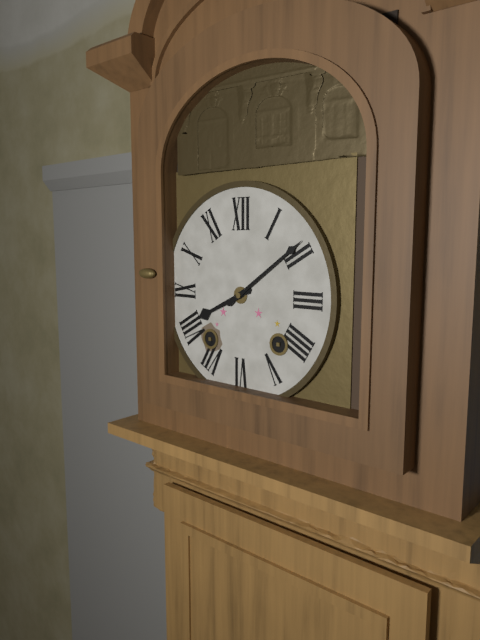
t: h=8 m=9
